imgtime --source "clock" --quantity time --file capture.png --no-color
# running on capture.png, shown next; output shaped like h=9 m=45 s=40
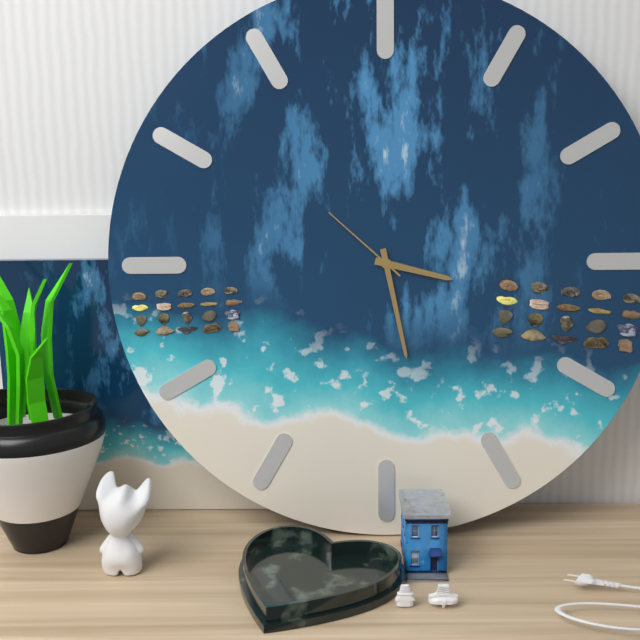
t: h=3 m=28 s=52
